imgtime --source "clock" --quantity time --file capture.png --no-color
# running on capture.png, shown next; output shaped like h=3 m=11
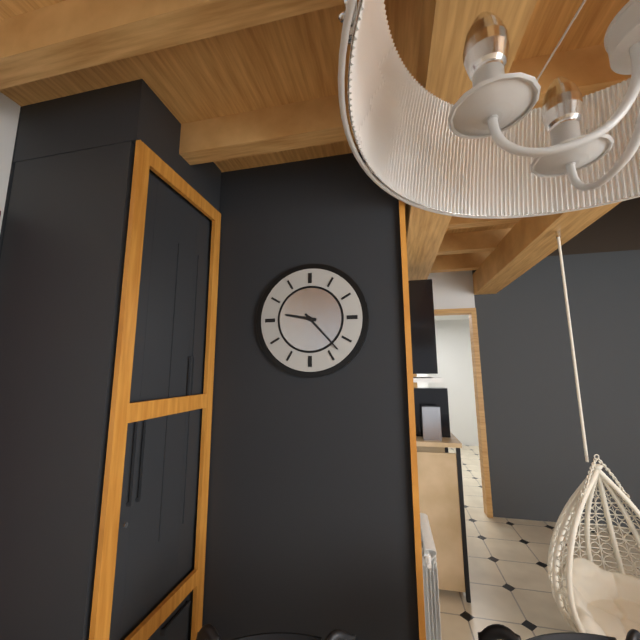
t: h=9 m=23
